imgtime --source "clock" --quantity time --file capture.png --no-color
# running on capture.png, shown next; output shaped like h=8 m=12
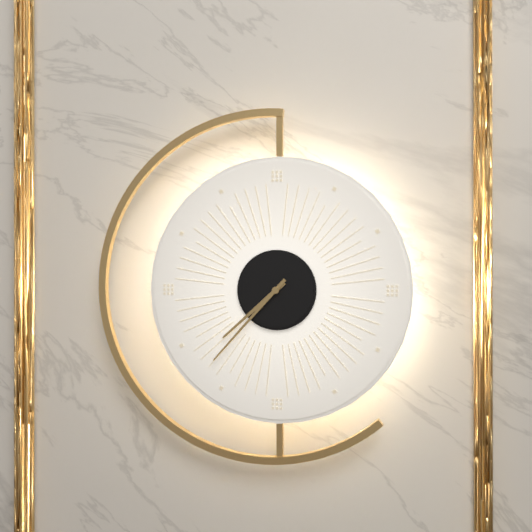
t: h=7 m=37
